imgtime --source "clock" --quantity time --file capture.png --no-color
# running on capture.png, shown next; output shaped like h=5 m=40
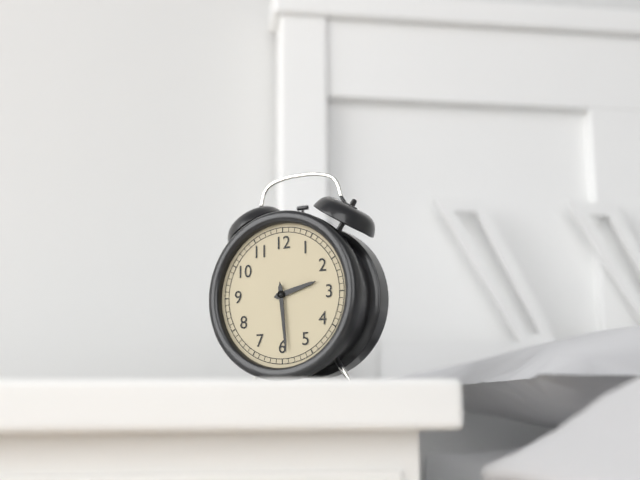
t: h=2 m=29
